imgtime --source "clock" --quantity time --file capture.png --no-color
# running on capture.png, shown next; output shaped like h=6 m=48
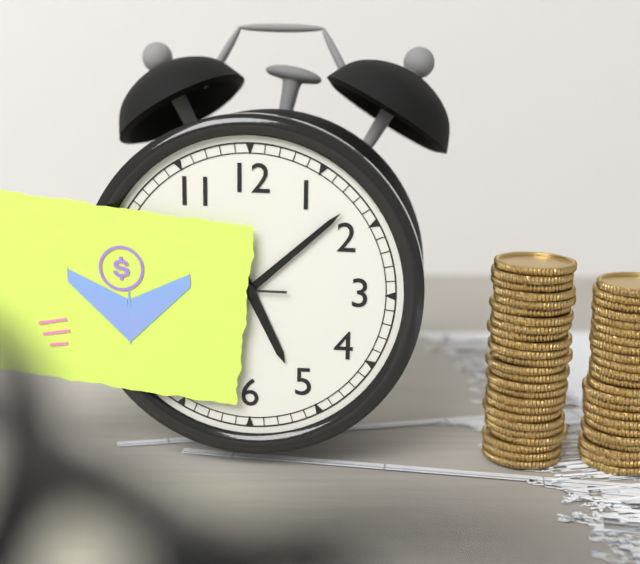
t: h=5 m=8
